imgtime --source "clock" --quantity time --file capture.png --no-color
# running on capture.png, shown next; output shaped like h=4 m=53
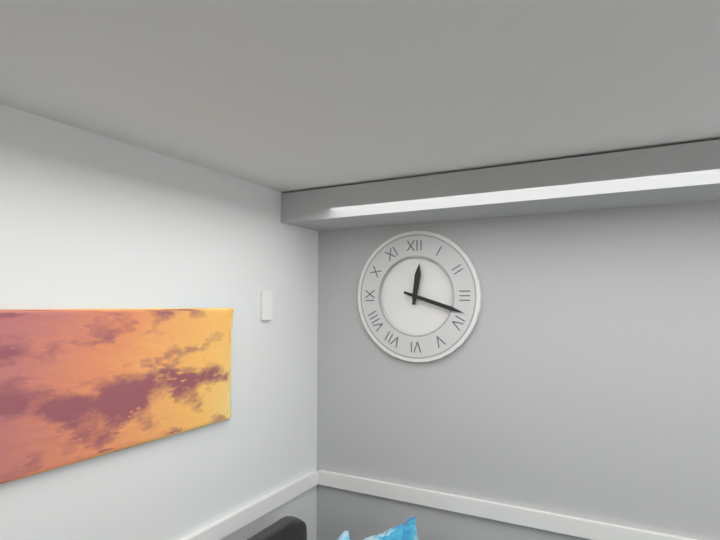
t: h=12 m=18
